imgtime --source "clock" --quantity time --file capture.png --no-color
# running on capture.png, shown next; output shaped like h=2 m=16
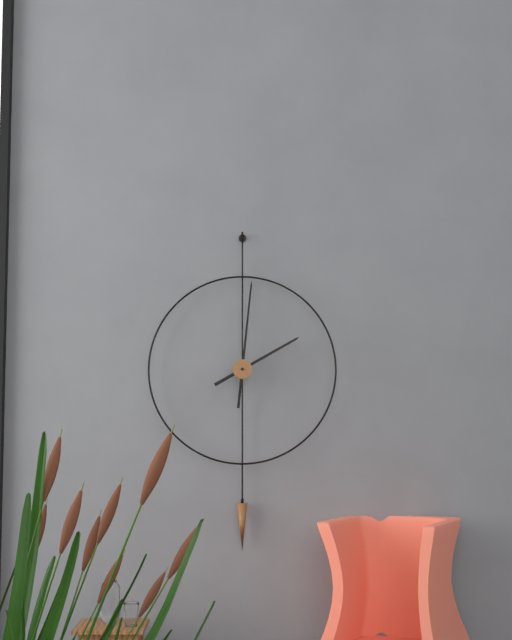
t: h=2 m=1
